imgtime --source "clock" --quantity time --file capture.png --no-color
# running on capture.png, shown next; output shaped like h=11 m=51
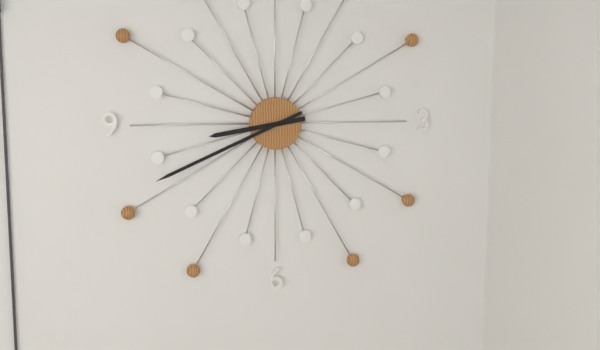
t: h=8 m=41
